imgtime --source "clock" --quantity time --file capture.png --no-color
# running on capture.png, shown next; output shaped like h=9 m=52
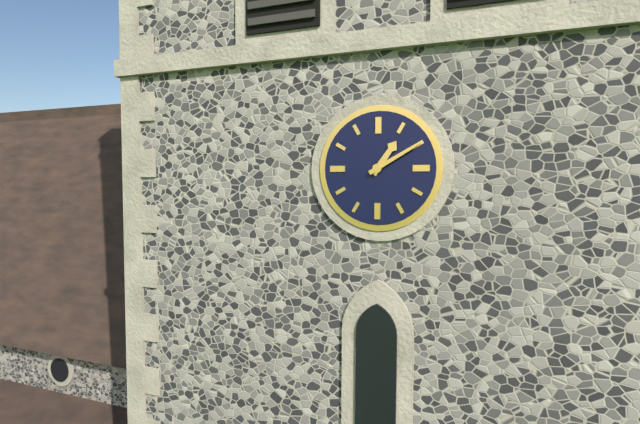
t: h=1 m=10
